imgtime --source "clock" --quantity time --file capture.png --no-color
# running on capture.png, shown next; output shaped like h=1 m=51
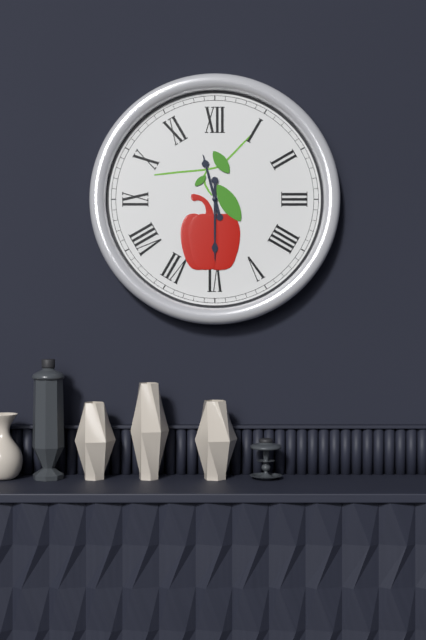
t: h=11 m=30
